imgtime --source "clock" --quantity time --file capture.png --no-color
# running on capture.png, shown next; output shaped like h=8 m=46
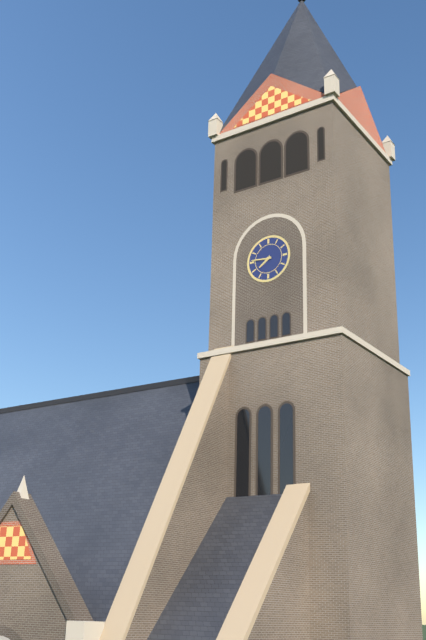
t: h=7 m=46
